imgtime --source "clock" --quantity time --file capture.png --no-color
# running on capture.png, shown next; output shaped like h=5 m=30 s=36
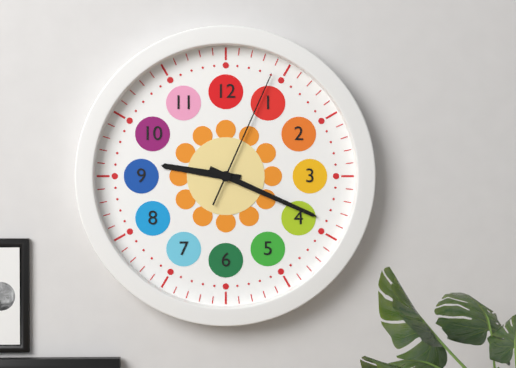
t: h=9 m=19 s=4
